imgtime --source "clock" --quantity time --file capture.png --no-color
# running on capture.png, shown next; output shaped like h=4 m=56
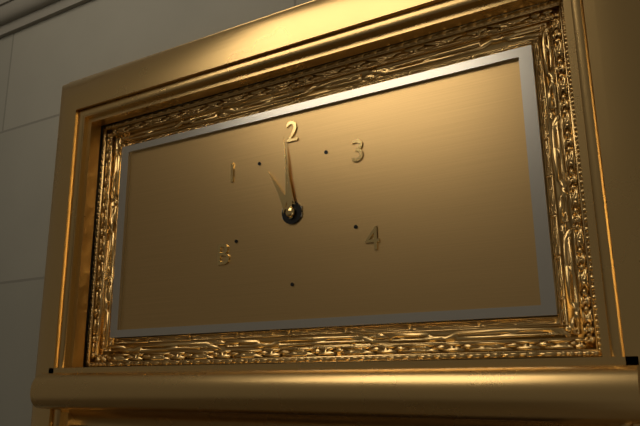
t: h=10 m=59
